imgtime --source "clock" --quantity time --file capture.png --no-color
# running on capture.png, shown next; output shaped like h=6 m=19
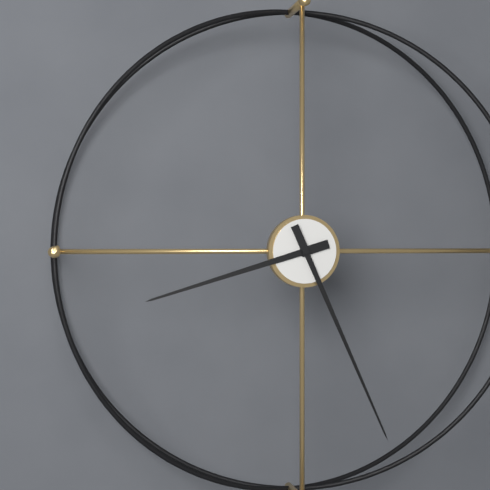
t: h=8 m=26
